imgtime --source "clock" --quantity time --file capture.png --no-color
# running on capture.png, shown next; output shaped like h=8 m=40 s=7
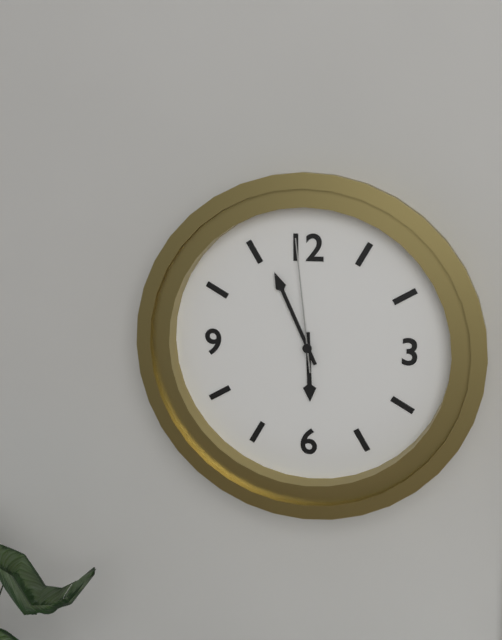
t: h=5 m=56 s=59
